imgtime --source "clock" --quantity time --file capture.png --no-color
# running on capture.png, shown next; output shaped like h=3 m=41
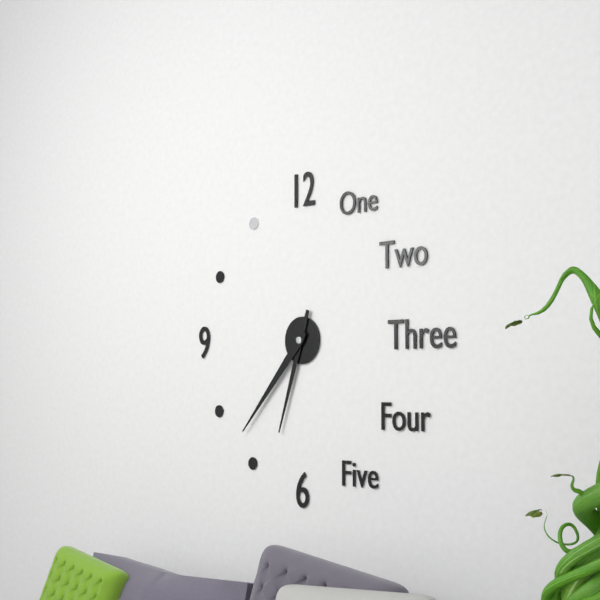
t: h=6 m=37
